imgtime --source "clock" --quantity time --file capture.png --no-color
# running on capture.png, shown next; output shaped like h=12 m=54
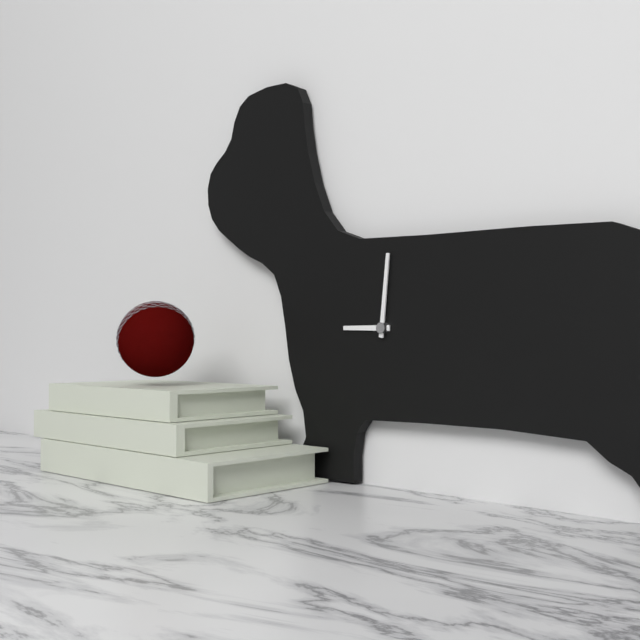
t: h=9 m=1
